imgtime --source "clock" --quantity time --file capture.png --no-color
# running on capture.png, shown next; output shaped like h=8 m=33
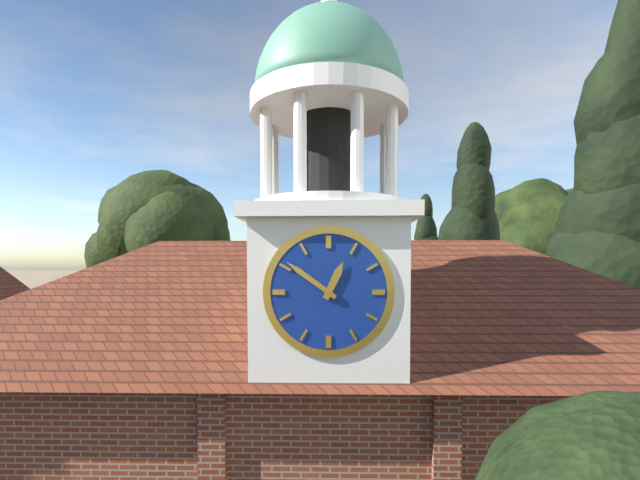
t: h=12 m=51
